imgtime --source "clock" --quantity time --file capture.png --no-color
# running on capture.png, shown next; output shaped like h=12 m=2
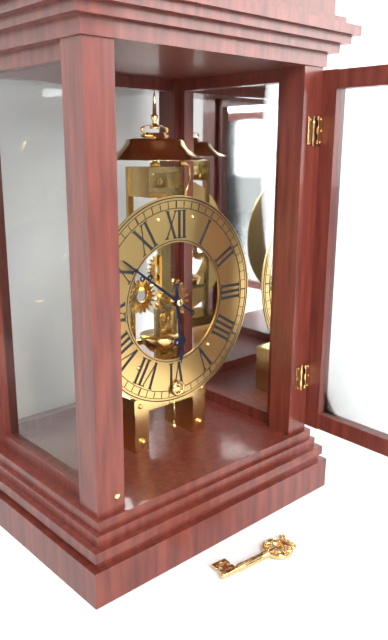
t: h=5 m=51
